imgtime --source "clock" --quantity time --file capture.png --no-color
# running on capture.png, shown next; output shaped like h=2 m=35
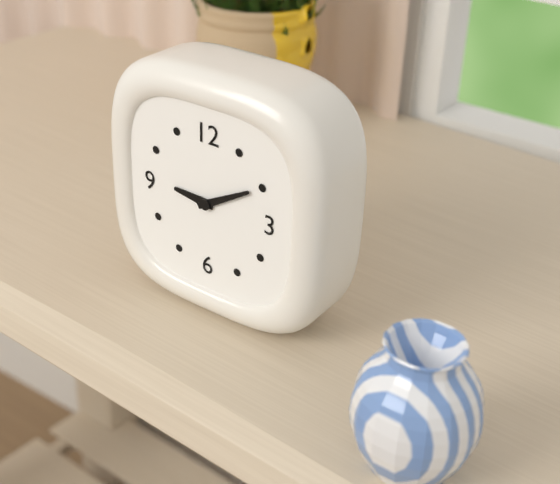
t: h=9 m=10
